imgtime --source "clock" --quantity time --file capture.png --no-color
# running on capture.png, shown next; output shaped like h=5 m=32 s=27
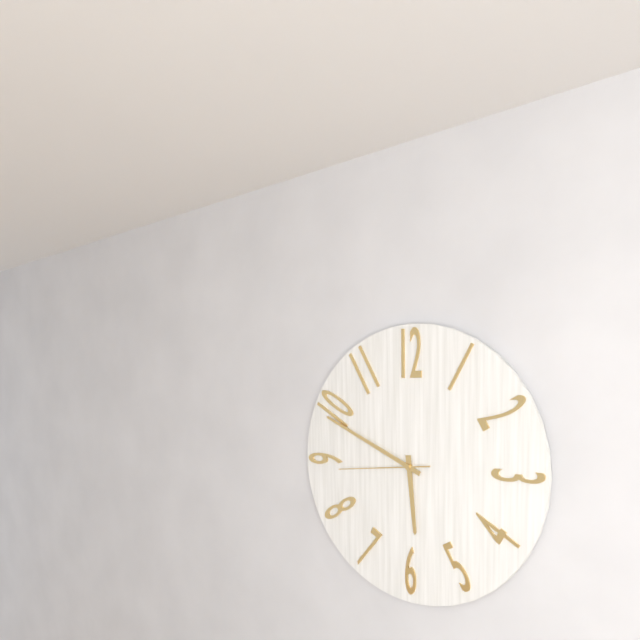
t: h=5 m=49 s=44
